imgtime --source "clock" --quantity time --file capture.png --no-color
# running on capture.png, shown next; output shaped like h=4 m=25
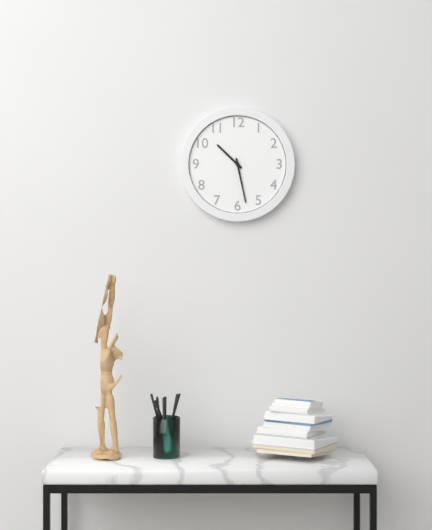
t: h=10 m=28
